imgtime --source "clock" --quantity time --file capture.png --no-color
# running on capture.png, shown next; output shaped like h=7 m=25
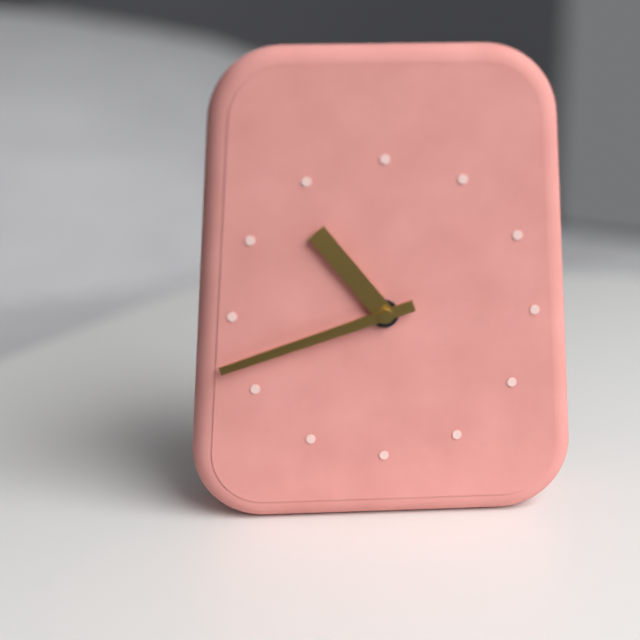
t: h=10 m=42
